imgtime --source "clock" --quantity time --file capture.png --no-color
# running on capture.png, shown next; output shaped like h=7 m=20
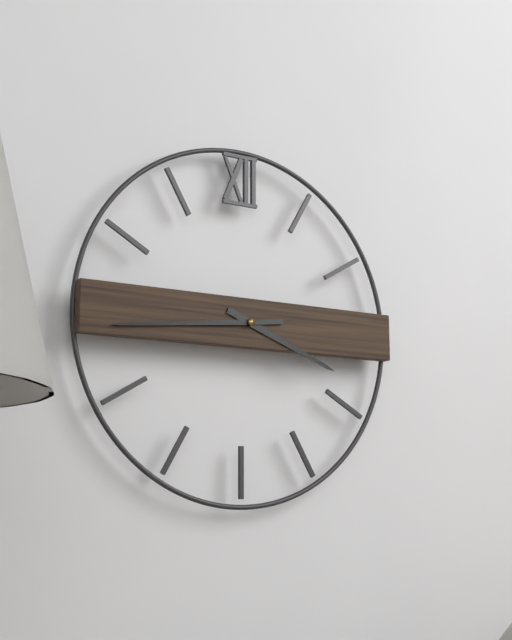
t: h=3 m=44
